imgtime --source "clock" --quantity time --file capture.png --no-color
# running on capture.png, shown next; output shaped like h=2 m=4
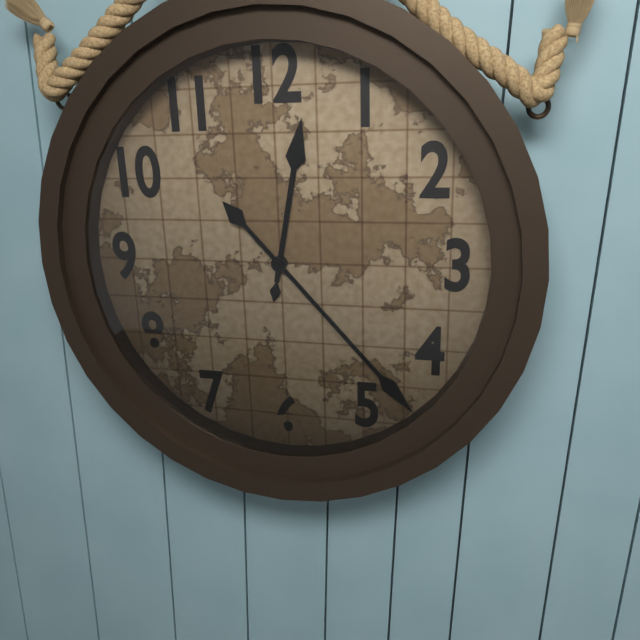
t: h=12 m=23
